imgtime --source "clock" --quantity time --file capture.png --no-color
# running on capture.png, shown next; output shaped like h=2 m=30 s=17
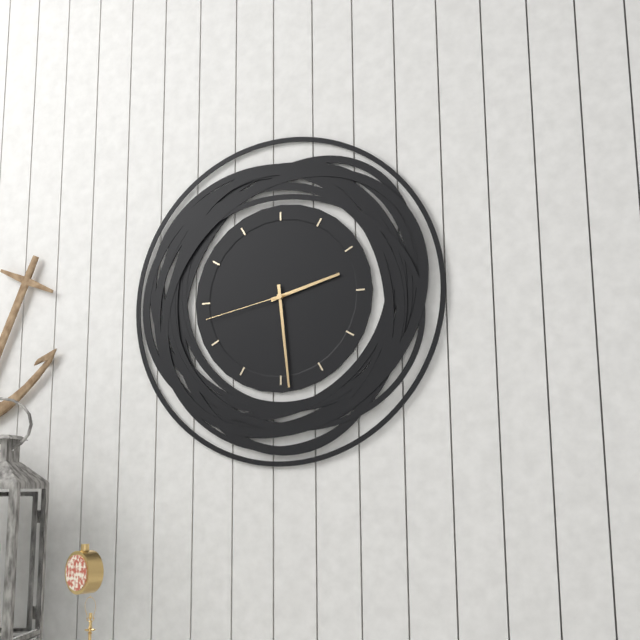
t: h=2 m=29 s=43
